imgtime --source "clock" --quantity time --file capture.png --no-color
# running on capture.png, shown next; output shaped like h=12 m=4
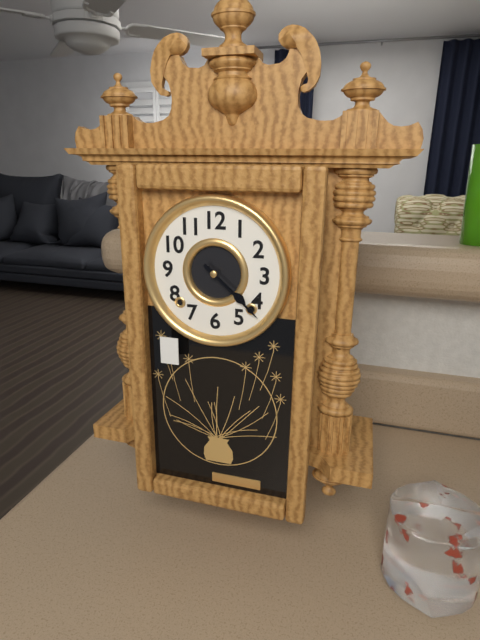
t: h=4 m=22
